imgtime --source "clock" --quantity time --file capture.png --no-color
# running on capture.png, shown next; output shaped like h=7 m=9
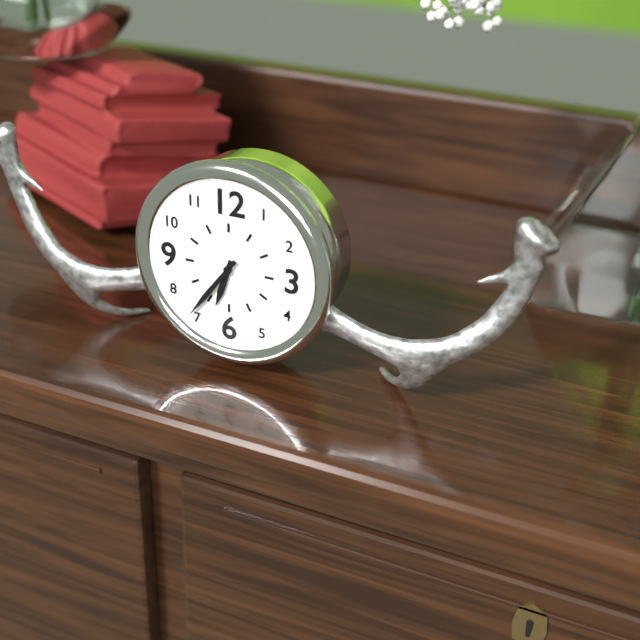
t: h=6 m=36
